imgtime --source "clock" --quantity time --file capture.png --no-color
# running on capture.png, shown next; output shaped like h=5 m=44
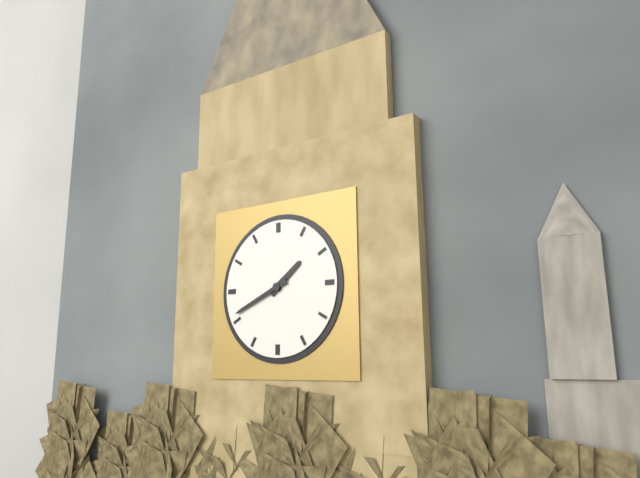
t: h=1 m=41
